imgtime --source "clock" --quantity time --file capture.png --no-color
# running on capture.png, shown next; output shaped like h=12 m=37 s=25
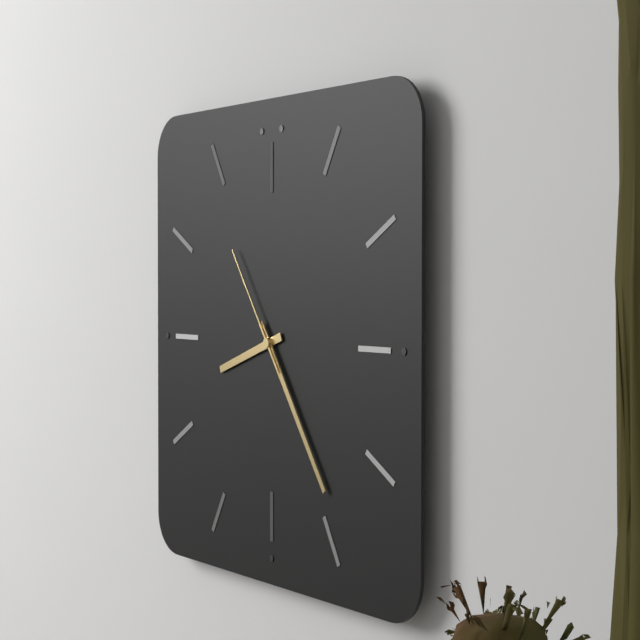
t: h=8 m=24 s=54
